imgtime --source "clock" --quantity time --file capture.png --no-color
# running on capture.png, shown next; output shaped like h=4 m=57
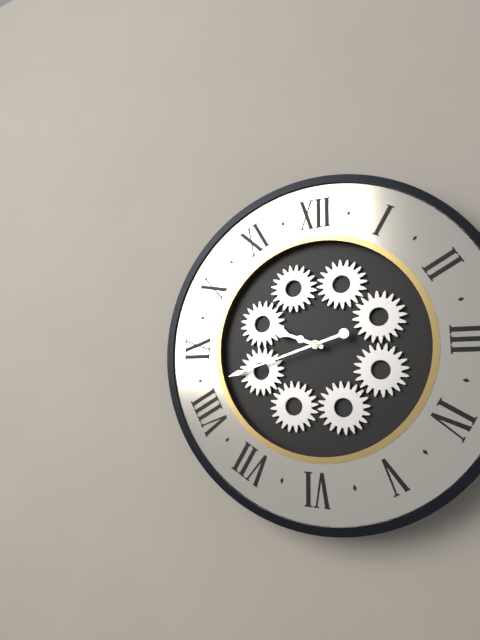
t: h=9 m=42
